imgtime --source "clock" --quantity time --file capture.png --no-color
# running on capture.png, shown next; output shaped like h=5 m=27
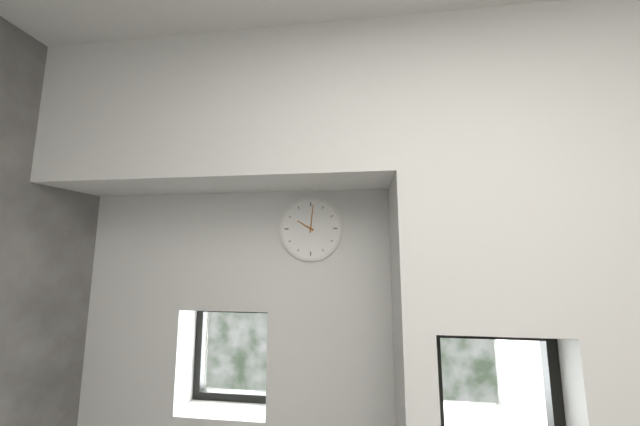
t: h=10 m=1
